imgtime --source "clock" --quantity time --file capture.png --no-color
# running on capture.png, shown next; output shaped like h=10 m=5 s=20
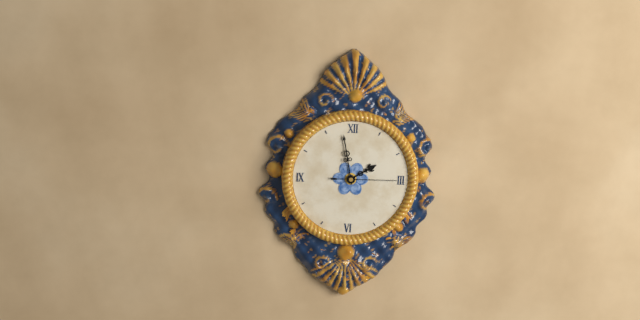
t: h=1 m=58 s=15
